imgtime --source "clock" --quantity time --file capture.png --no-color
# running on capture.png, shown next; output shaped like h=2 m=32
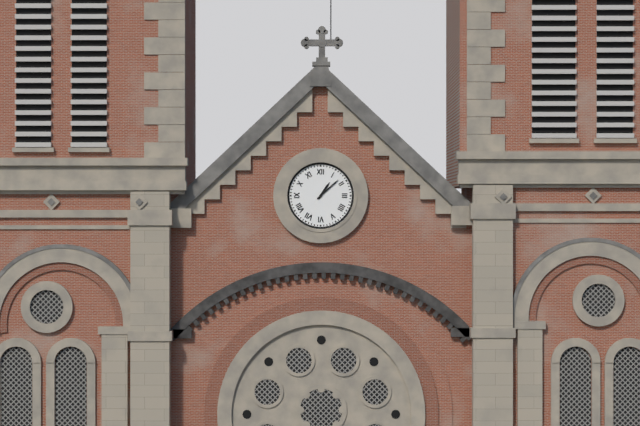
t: h=1 m=8
